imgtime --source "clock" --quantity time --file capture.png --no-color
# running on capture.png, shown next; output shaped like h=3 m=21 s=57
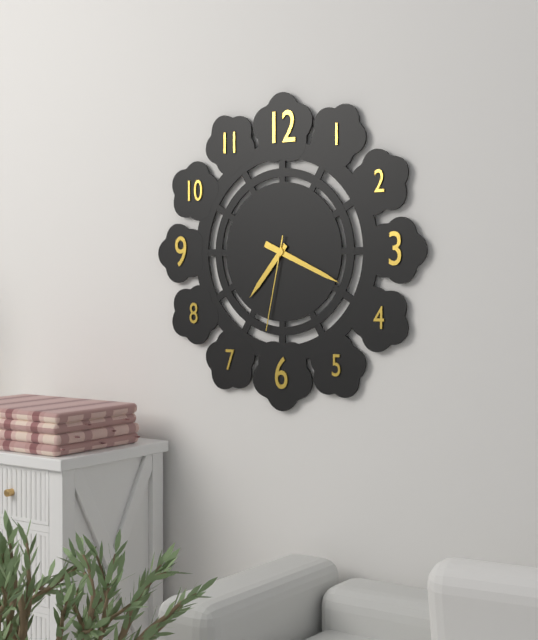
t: h=7 m=19 s=32
